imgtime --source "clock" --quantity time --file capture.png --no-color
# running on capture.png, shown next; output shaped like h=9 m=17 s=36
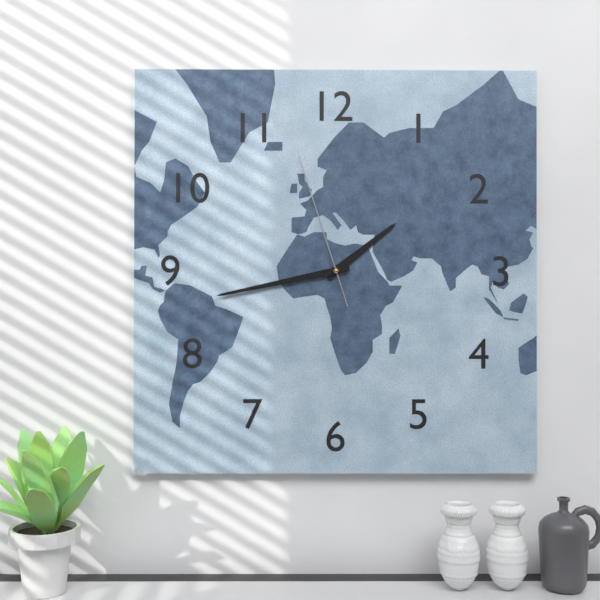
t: h=1 m=43 s=57
